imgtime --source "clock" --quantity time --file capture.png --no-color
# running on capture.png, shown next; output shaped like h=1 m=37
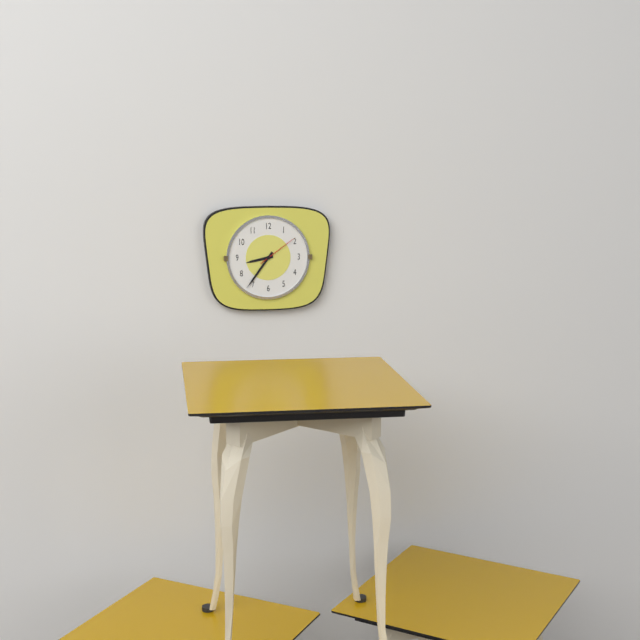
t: h=8 m=36
